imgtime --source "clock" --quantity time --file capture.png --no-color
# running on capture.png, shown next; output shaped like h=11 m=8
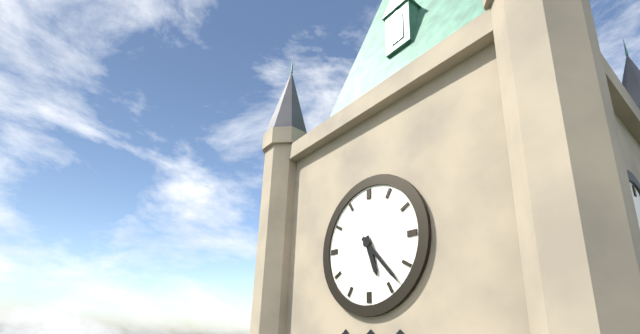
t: h=5 m=23
